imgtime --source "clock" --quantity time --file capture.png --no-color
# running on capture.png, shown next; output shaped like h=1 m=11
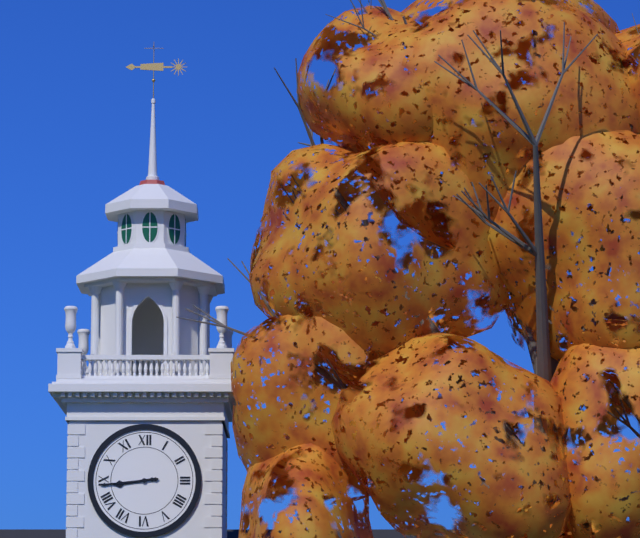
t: h=8 m=44
